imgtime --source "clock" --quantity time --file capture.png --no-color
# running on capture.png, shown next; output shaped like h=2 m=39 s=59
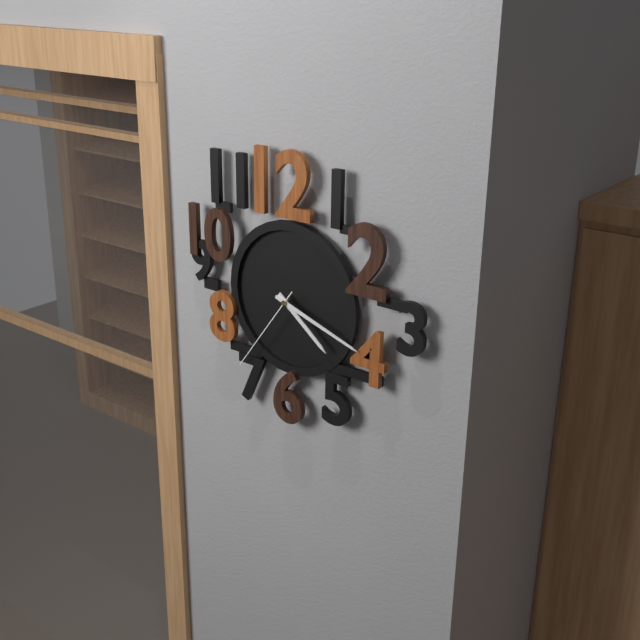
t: h=4 m=18 s=36
